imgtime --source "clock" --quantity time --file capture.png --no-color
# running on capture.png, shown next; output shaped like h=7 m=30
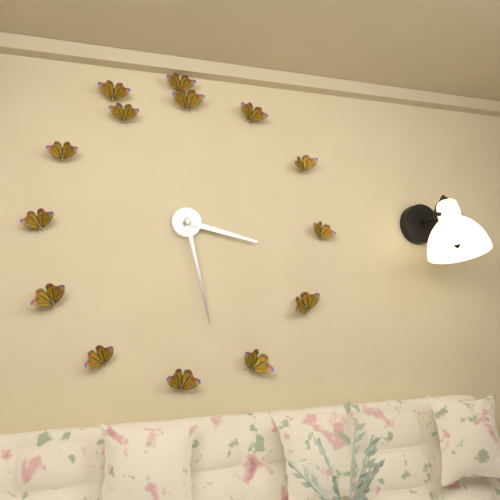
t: h=3 m=28
